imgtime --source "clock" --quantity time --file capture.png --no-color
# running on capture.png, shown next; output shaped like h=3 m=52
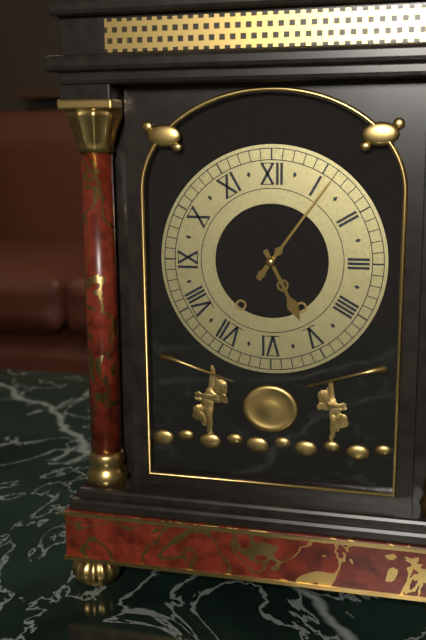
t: h=5 m=6
